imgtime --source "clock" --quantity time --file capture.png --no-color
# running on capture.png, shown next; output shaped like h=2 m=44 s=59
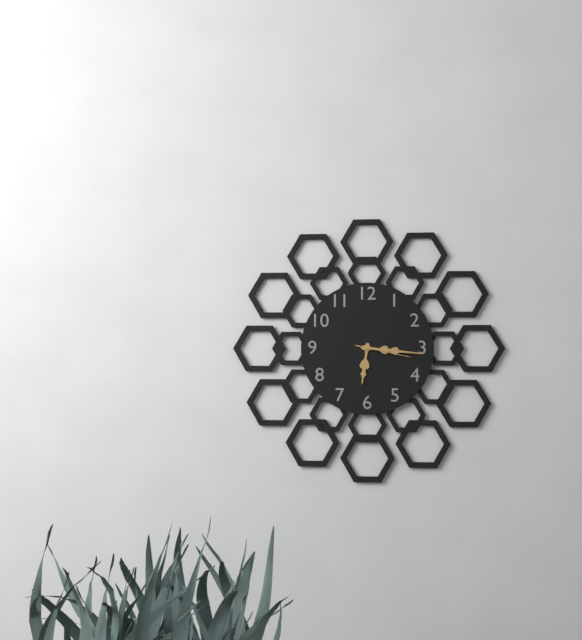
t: h=6 m=16 s=17
